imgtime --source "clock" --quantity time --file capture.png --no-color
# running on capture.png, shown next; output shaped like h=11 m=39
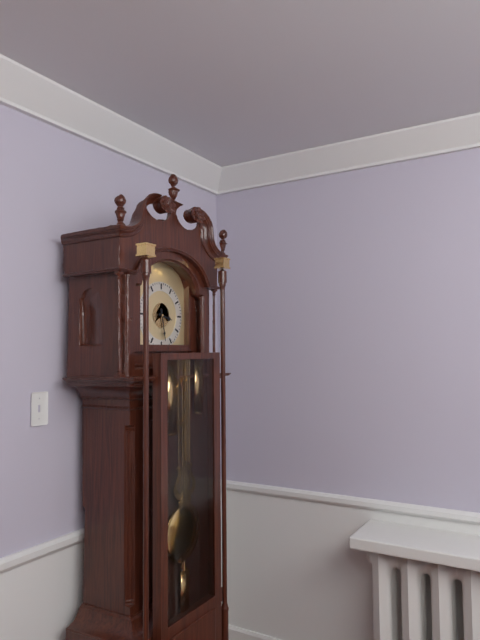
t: h=3 m=28
